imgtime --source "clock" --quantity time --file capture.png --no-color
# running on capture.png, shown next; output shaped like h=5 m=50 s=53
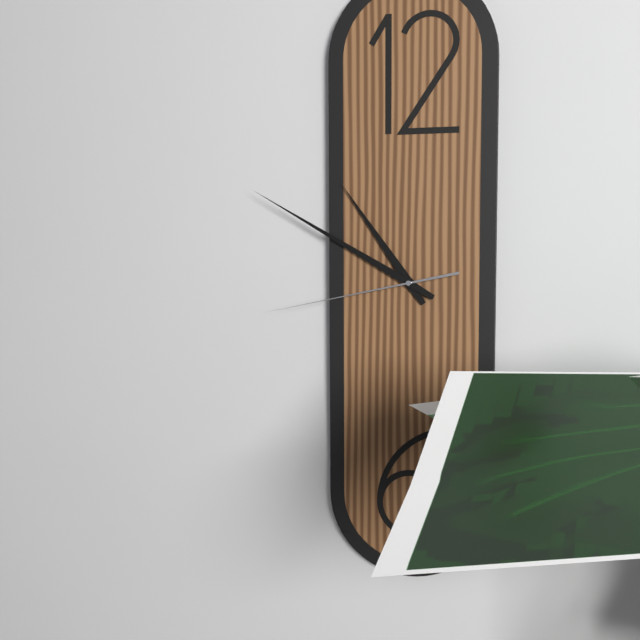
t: h=10 m=50 s=43
